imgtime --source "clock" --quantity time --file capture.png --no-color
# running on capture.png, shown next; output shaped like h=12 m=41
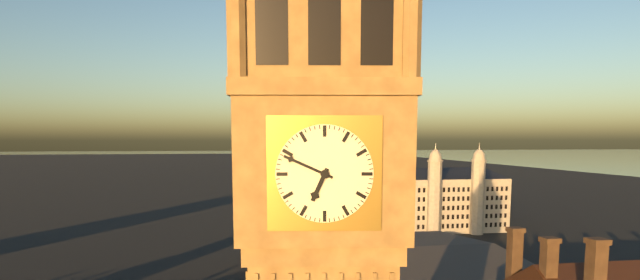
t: h=6 m=49
